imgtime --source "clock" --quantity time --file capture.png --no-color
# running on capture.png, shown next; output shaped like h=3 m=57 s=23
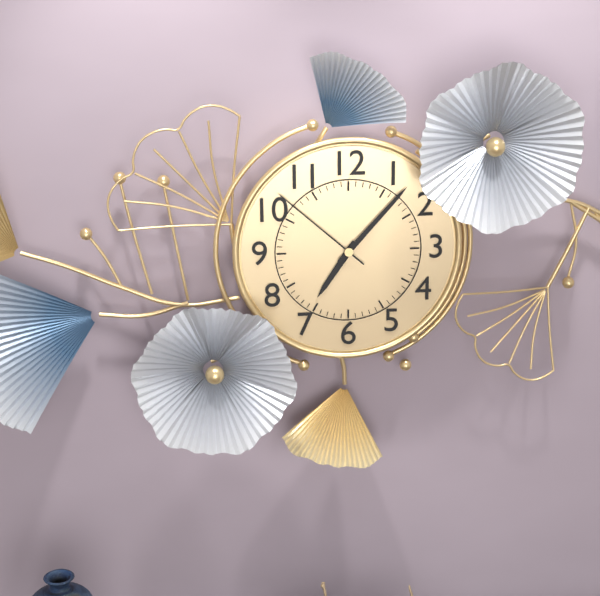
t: h=7 m=7 s=52
